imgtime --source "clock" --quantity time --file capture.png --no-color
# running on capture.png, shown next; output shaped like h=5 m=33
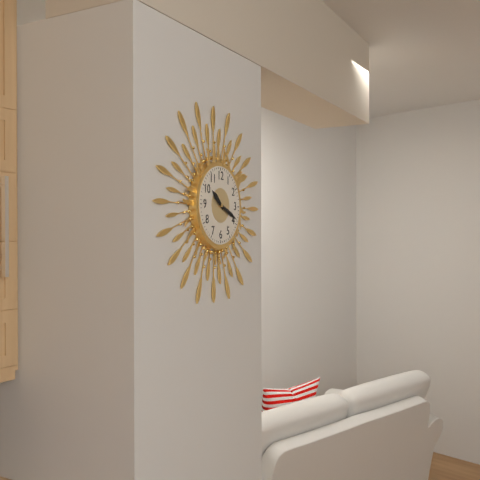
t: h=10 m=19
